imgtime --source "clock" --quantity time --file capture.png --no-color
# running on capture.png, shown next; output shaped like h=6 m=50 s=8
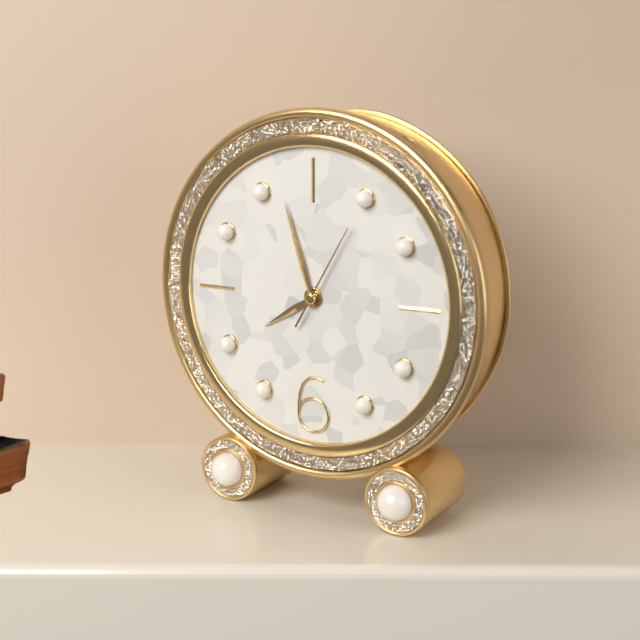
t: h=7 m=57 s=5
